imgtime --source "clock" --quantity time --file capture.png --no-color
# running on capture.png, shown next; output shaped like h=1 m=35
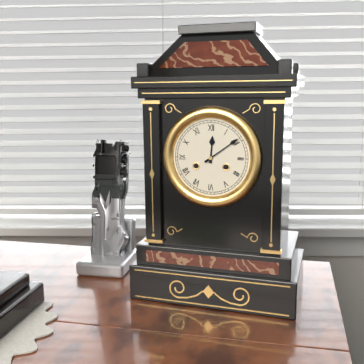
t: h=12 m=9
